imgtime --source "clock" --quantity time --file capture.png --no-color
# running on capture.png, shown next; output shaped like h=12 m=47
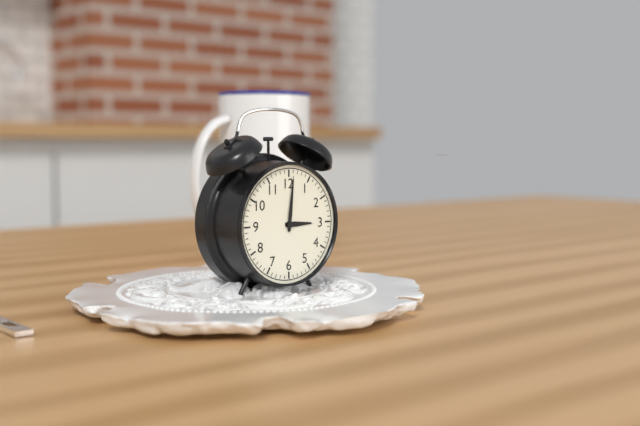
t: h=3 m=1
